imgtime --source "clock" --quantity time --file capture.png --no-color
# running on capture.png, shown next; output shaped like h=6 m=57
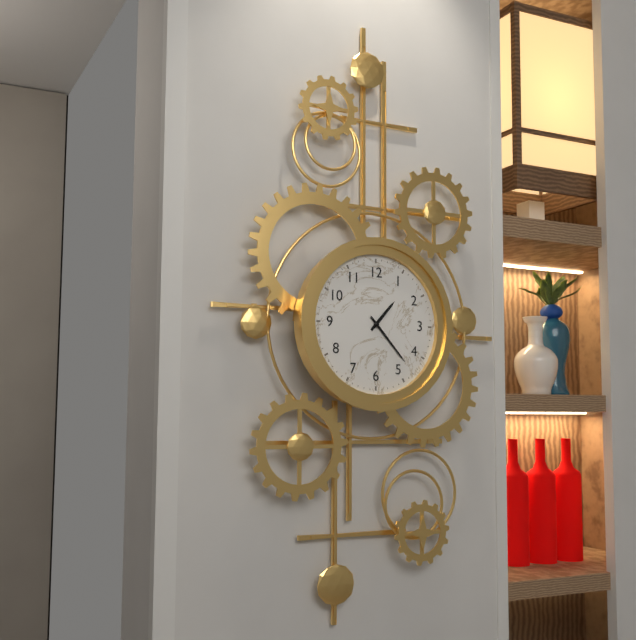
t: h=1 m=23
